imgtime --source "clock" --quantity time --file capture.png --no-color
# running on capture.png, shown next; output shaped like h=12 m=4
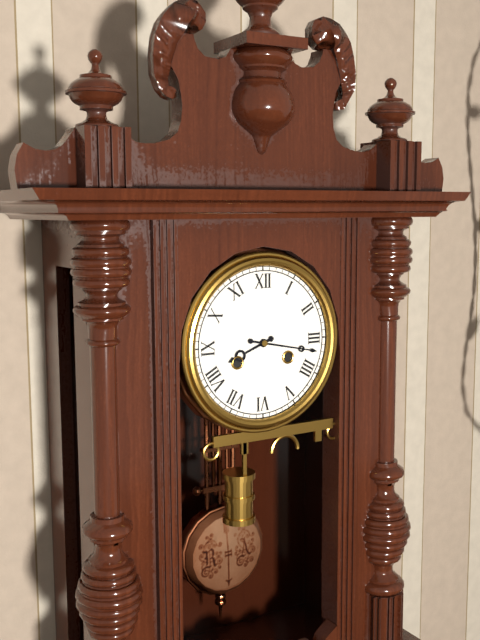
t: h=8 m=17
